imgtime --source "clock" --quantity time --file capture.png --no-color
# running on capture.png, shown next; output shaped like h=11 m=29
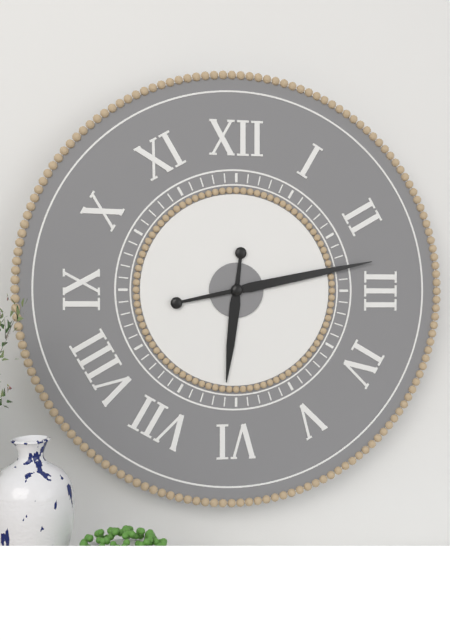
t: h=6 m=13
